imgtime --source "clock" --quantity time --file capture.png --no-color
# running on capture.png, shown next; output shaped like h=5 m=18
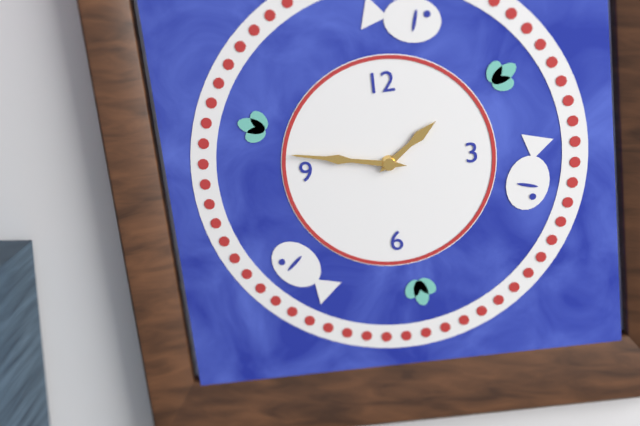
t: h=1 m=47
